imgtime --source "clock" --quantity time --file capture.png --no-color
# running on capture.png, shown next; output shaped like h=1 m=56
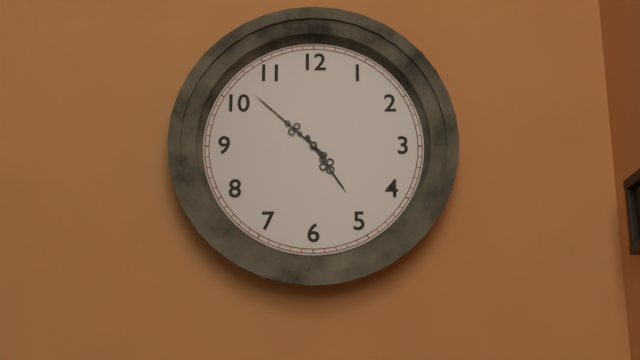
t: h=4 m=52
